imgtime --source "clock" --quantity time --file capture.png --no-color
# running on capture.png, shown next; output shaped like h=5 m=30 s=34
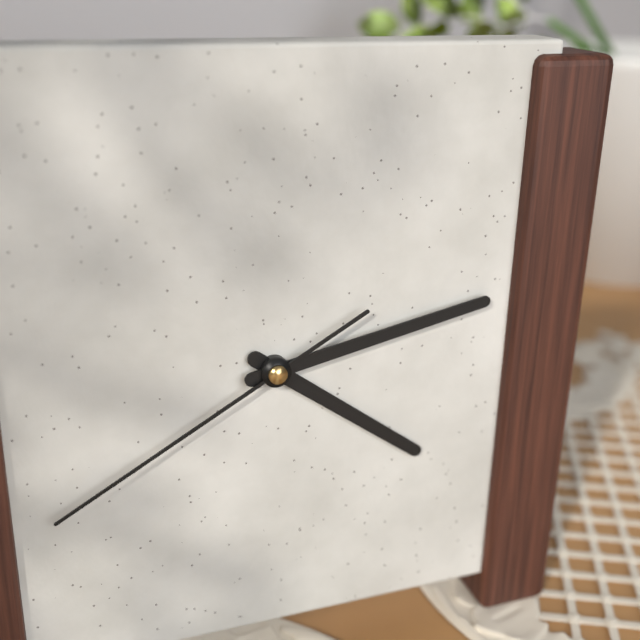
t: h=4 m=13 s=40
